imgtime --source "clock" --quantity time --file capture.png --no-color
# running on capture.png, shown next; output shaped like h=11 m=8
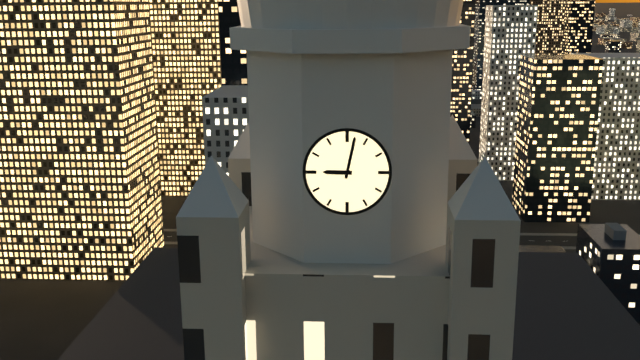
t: h=9 m=2
